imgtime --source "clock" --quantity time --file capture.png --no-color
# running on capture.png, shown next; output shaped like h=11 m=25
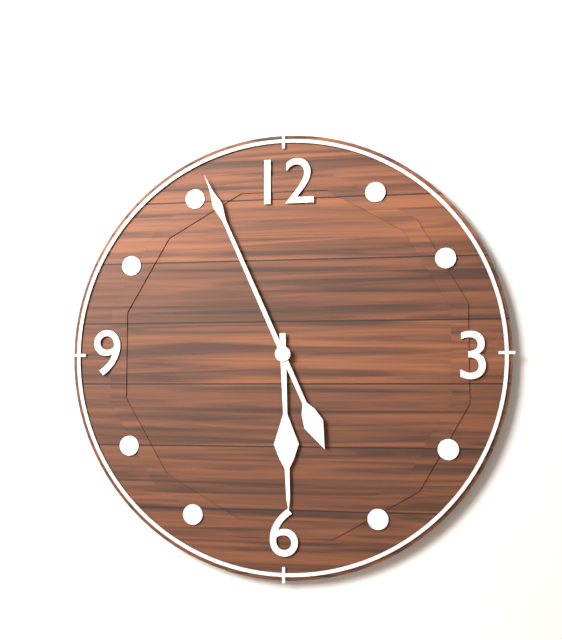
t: h=5 m=56
